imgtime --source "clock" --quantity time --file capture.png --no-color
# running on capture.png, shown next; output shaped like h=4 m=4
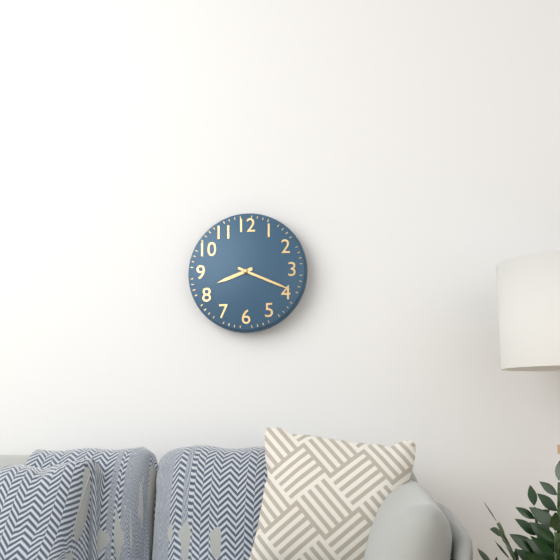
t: h=8 m=19
